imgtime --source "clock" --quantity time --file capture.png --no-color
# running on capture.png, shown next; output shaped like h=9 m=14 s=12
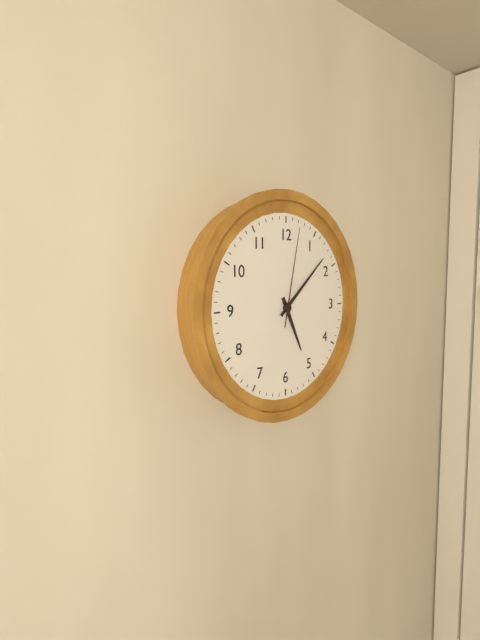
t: h=5 m=8 s=2
